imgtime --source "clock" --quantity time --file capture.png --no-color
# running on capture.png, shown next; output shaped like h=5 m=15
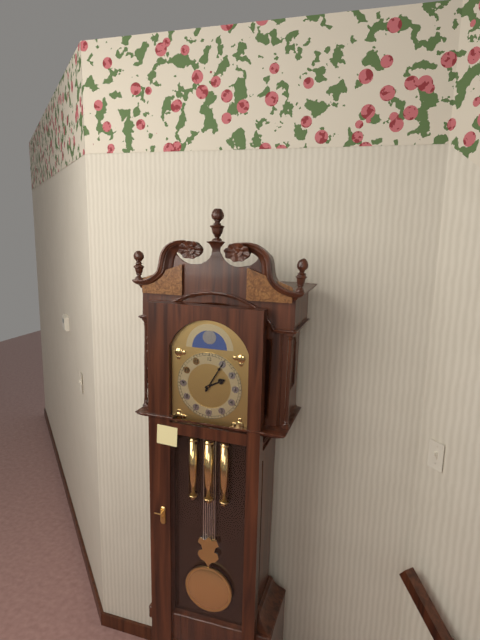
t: h=2 m=5
